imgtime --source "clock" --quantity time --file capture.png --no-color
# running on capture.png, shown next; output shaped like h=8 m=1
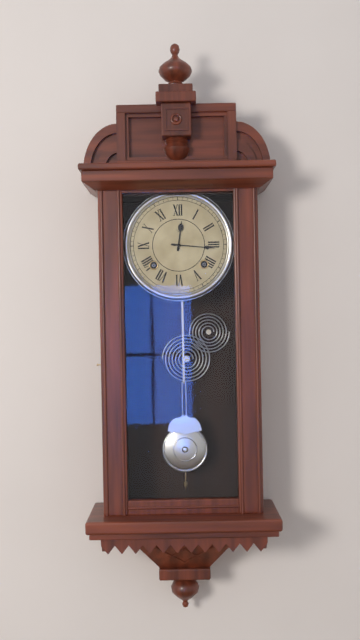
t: h=12 m=16
